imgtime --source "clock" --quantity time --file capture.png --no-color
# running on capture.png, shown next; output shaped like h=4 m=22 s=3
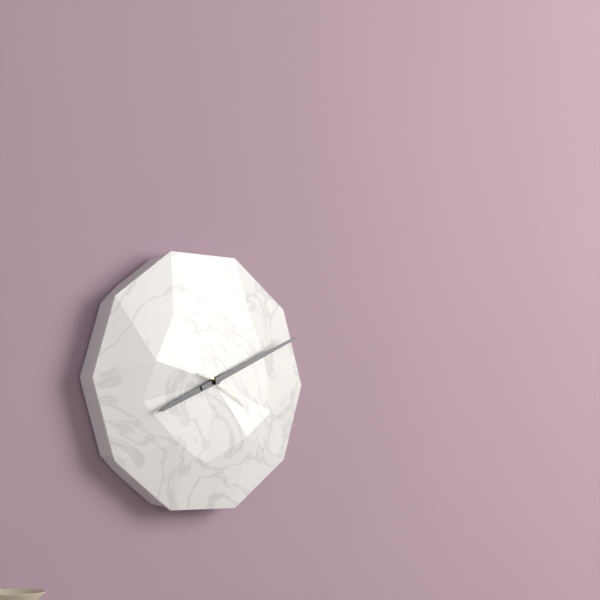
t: h=8 m=11 s=19
